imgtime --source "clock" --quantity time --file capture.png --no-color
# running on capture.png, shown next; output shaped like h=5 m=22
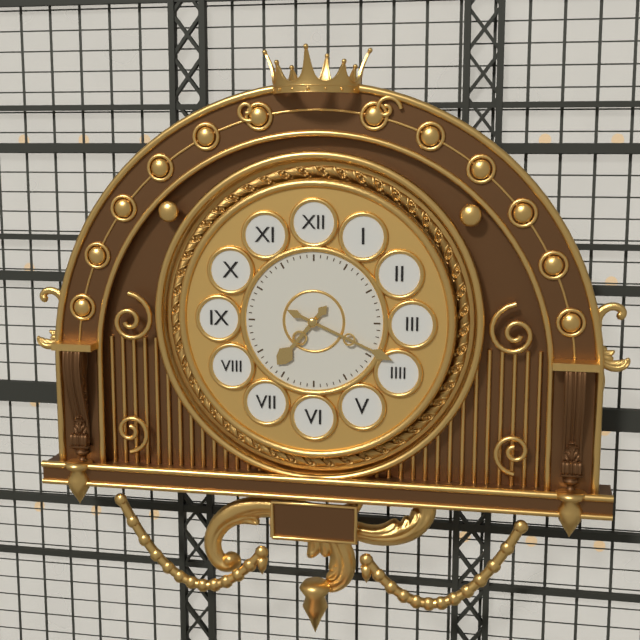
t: h=7 m=19
